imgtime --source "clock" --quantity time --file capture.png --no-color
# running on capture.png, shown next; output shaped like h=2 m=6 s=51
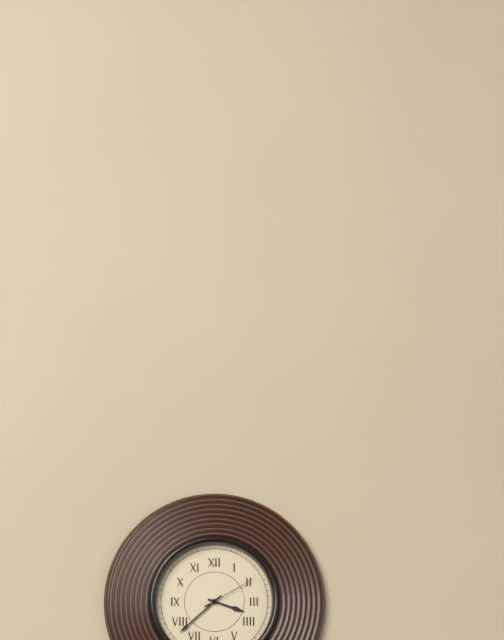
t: h=3 m=38 s=10
